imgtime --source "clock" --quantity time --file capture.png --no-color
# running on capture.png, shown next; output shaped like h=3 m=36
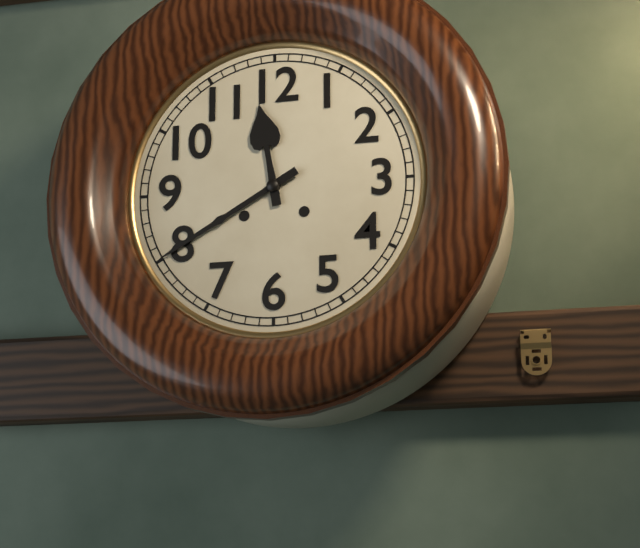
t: h=11 m=40
